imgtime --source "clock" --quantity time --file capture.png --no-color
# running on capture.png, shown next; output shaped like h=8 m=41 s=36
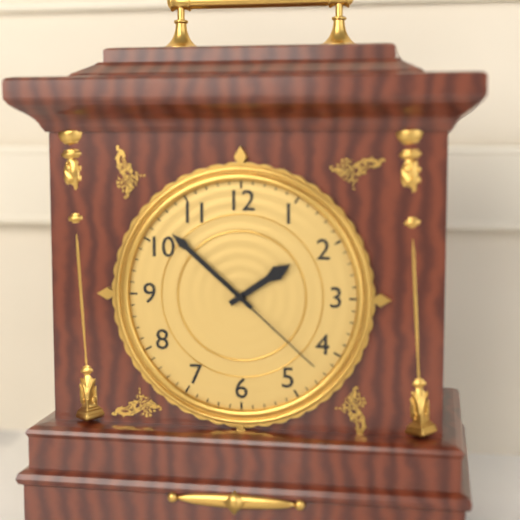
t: h=1 m=52 s=22
